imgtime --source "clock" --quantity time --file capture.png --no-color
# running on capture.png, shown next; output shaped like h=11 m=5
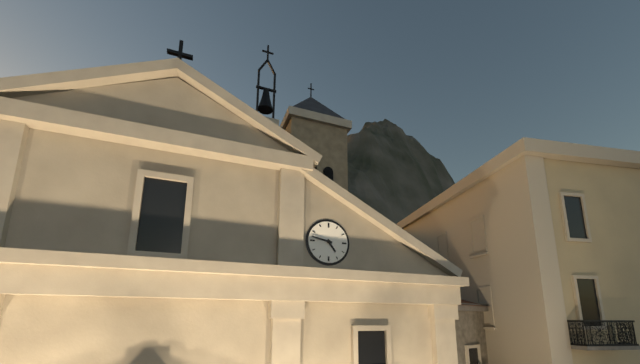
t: h=4 m=47
